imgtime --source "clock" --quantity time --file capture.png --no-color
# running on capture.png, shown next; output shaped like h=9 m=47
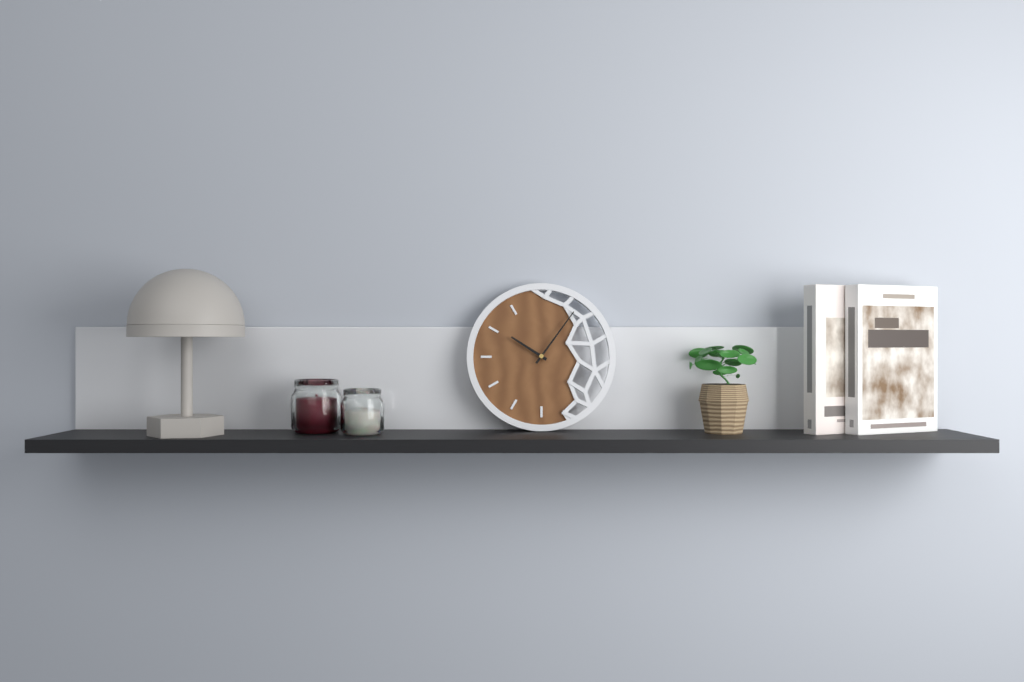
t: h=10 m=6
